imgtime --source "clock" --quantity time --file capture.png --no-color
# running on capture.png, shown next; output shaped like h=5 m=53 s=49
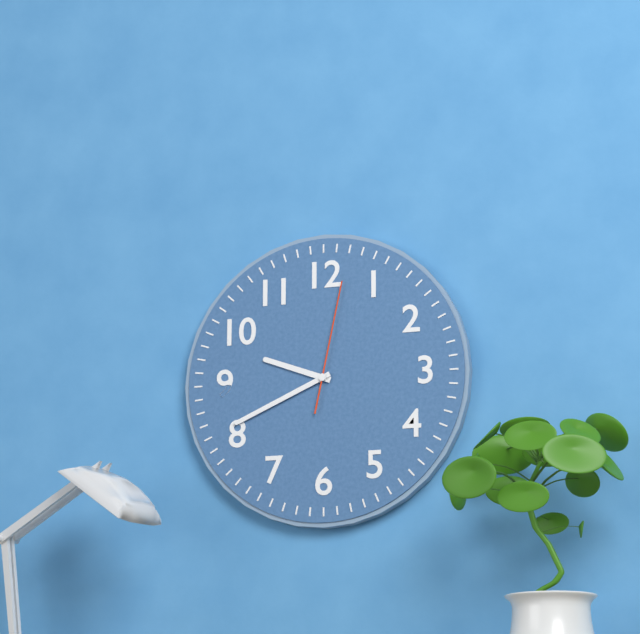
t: h=9 m=41 s=2
